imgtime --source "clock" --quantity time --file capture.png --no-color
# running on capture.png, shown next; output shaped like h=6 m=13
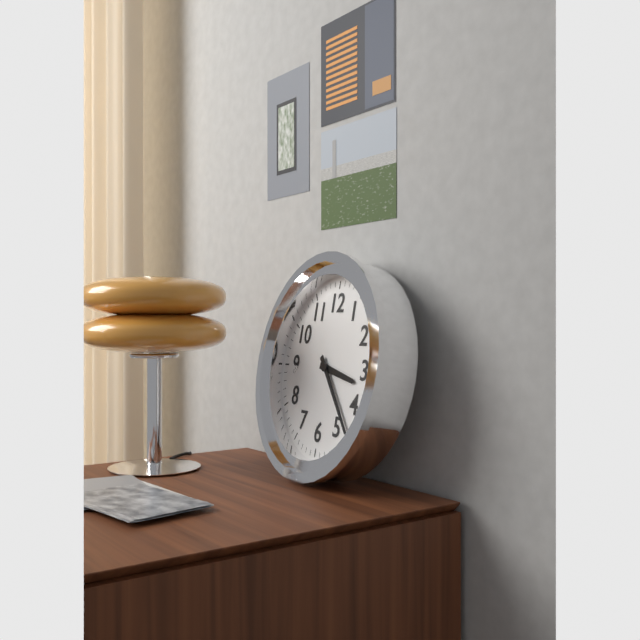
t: h=3 m=23
